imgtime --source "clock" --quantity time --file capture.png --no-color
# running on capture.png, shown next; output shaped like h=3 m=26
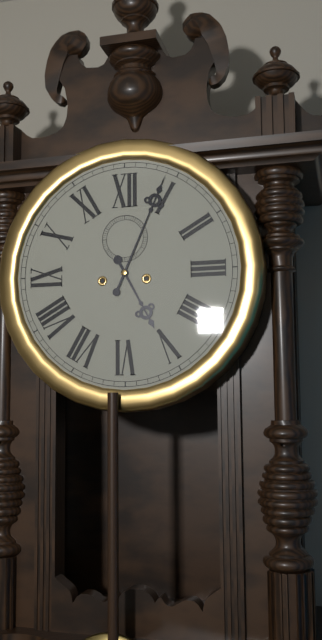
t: h=5 m=4
